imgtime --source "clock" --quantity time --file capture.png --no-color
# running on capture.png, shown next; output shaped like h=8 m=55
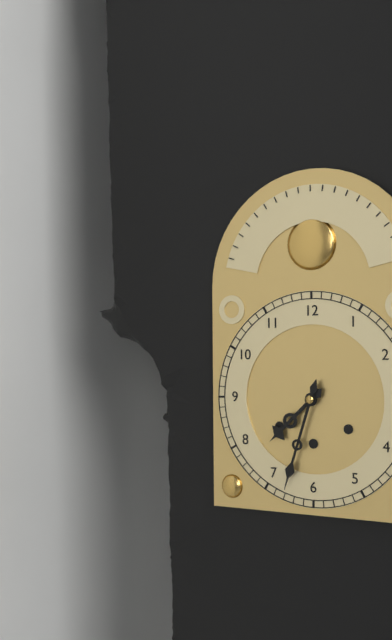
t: h=7 m=33
